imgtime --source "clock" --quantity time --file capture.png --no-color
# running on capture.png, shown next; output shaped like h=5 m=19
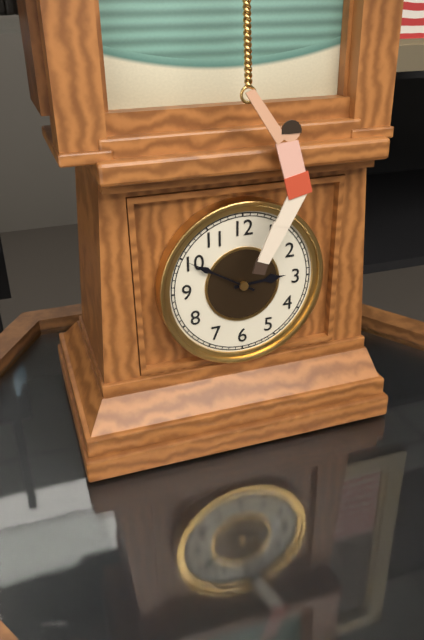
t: h=2 m=50
